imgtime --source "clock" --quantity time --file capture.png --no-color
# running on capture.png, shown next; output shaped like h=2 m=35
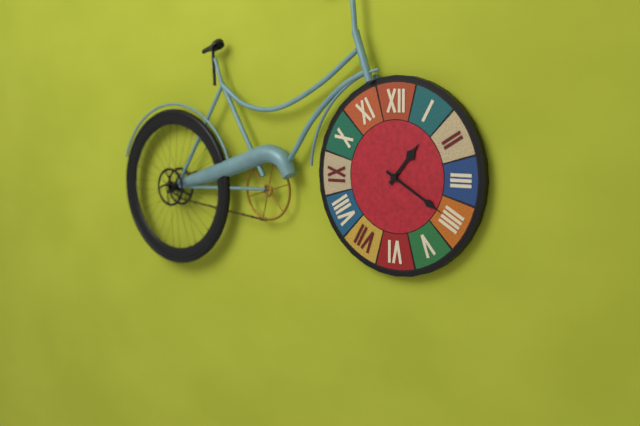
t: h=1 m=20
